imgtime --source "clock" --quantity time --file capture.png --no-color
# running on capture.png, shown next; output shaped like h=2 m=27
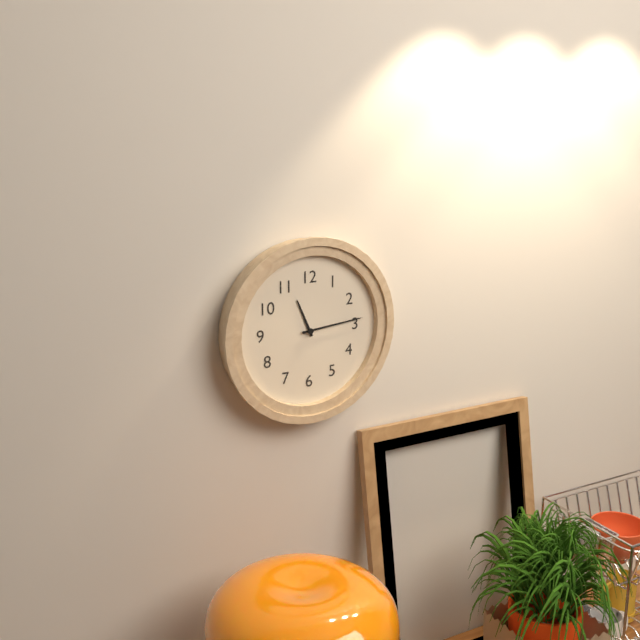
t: h=11 m=14
